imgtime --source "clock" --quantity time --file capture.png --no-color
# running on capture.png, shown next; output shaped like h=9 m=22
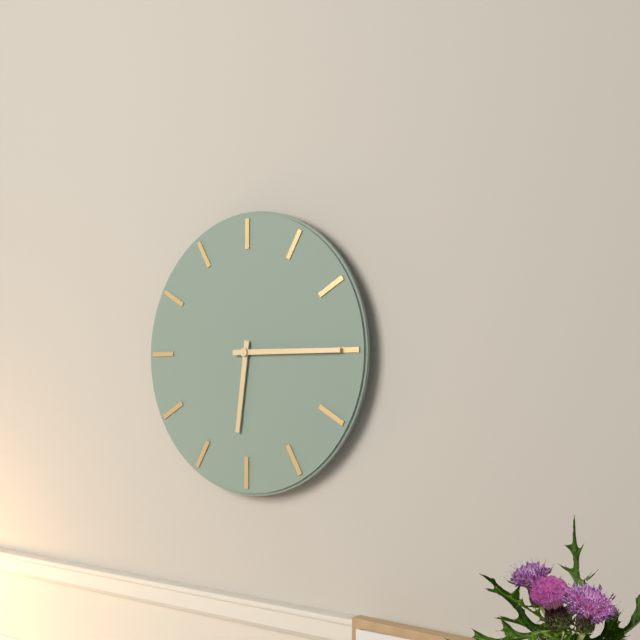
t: h=6 m=15
